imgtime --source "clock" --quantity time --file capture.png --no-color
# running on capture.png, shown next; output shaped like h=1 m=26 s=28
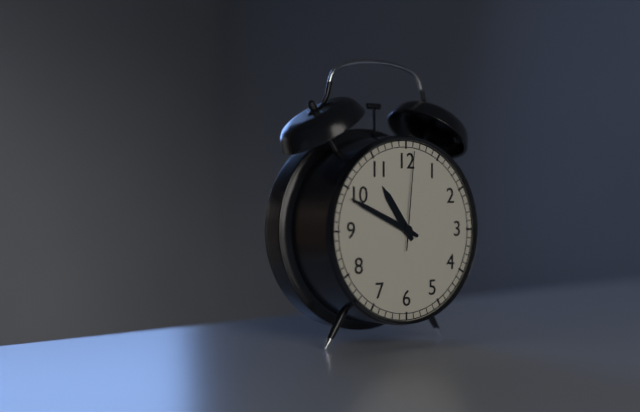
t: h=10 m=49 s=1
